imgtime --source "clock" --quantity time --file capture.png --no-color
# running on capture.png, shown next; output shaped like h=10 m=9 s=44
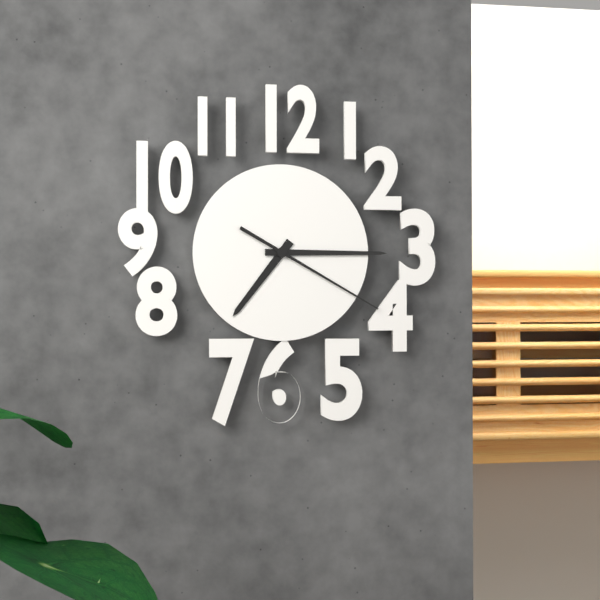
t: h=7 m=15 s=20
